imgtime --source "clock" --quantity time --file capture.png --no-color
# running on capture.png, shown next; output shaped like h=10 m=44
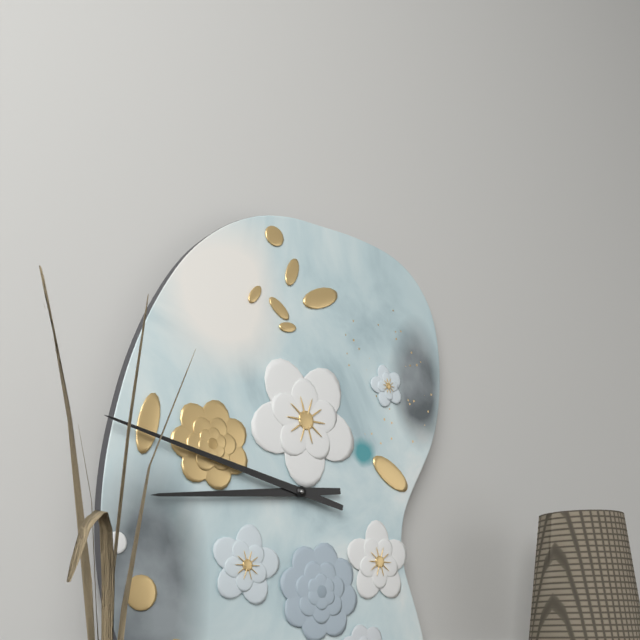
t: h=8 m=47
